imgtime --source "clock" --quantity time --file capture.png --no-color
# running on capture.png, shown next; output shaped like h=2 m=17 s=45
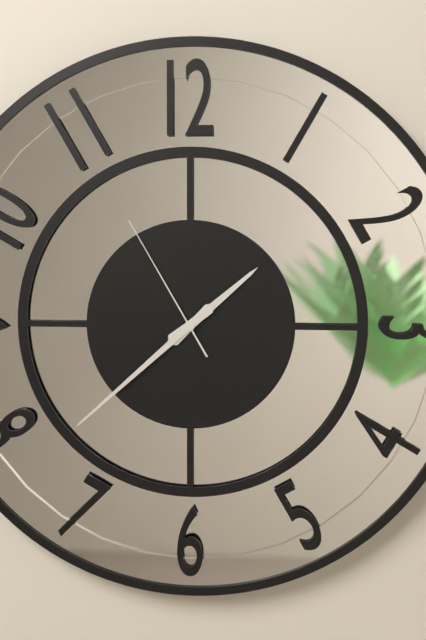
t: h=1 m=38 s=55
